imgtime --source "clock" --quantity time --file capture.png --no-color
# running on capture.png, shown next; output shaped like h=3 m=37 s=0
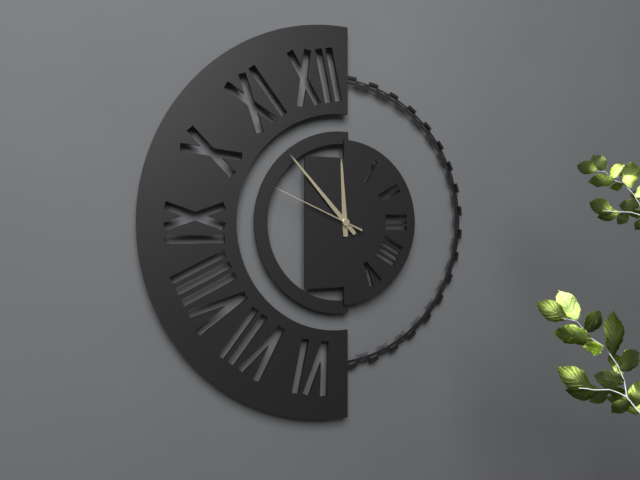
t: h=11 m=53 s=49
